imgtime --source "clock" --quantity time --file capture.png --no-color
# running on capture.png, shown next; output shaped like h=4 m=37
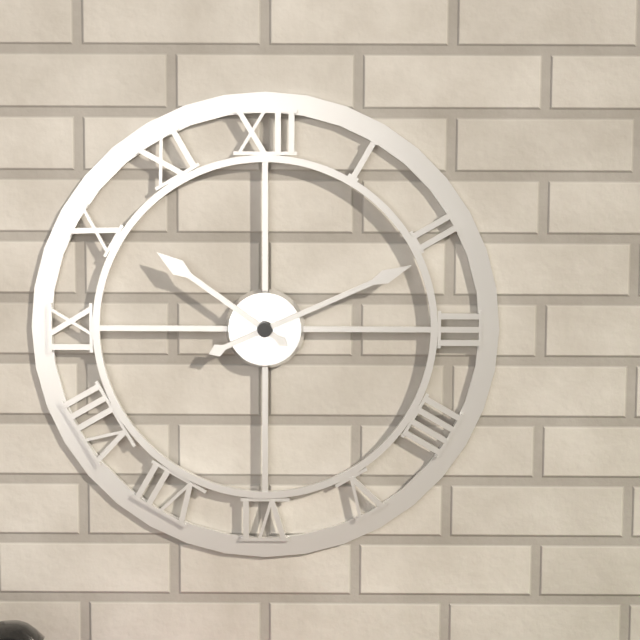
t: h=10 m=11
